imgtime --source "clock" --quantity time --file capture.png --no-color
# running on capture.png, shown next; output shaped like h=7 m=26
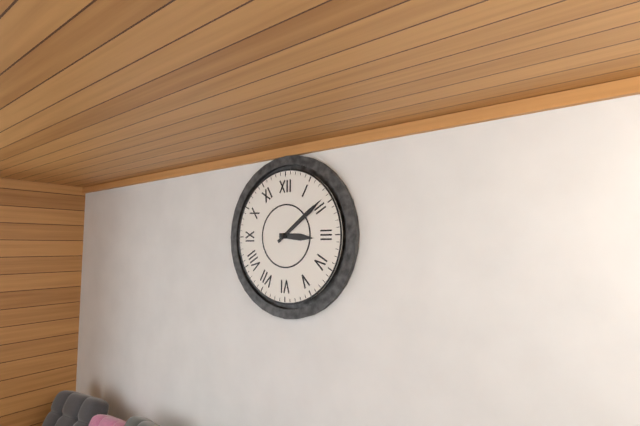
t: h=3 m=9
